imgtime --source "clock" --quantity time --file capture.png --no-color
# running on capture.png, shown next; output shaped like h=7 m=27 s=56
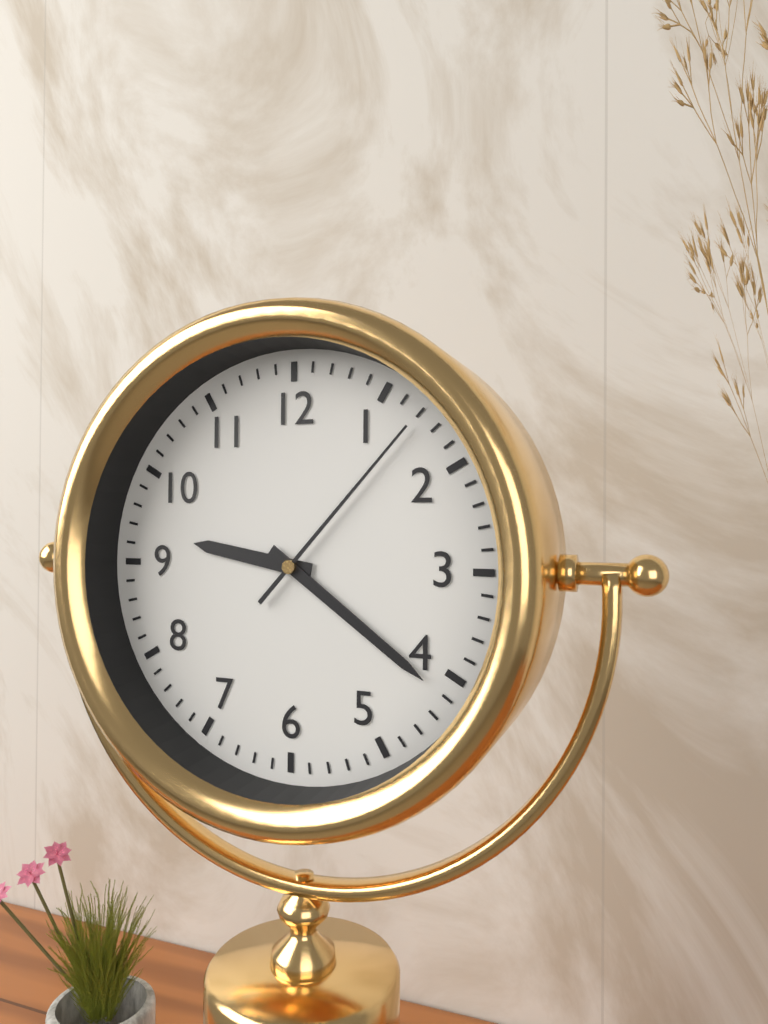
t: h=9 m=21 s=7
